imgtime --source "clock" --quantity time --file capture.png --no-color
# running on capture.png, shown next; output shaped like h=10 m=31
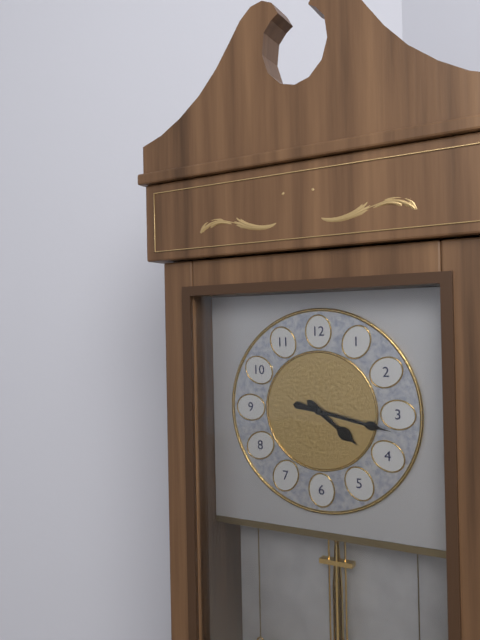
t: h=4 m=17
